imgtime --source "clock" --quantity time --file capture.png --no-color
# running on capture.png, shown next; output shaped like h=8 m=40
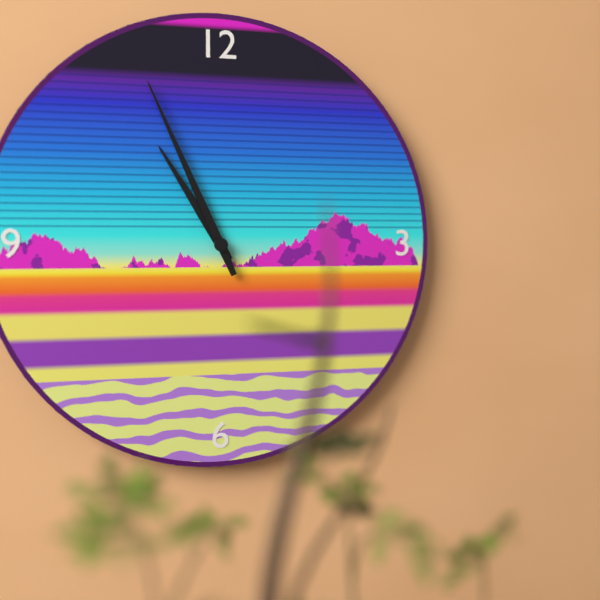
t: h=10 m=56
